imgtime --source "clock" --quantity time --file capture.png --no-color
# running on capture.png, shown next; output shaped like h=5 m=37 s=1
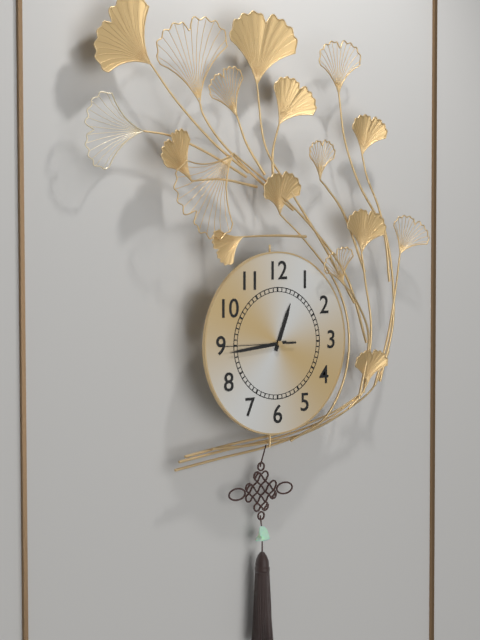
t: h=12 m=44 s=45
